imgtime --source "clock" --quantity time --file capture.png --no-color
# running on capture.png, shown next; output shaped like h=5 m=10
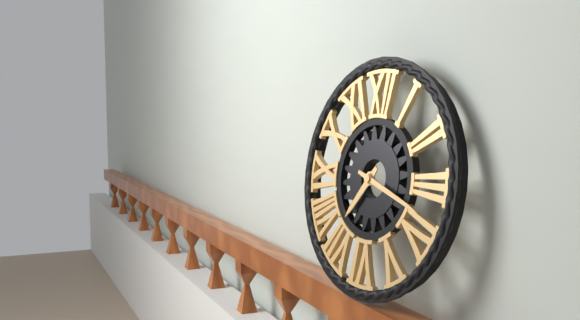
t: h=7 m=18
